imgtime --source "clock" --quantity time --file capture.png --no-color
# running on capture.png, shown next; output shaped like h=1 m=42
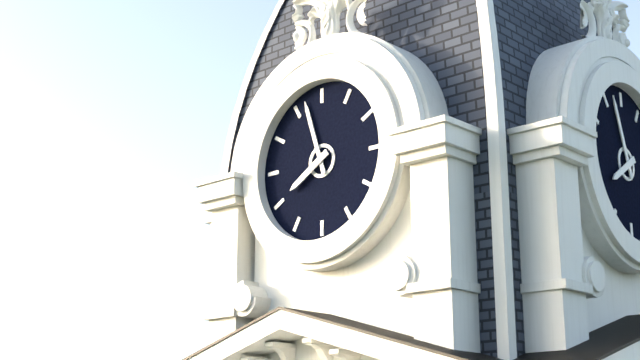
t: h=7 m=57
